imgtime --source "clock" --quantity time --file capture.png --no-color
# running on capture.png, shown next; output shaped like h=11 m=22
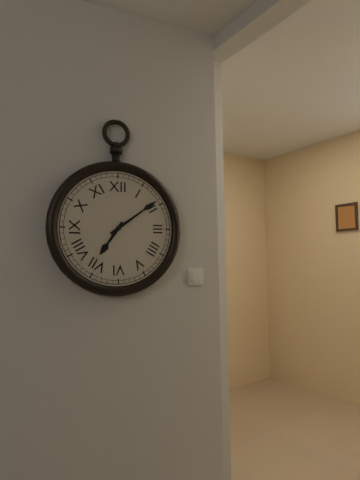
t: h=7 m=9
